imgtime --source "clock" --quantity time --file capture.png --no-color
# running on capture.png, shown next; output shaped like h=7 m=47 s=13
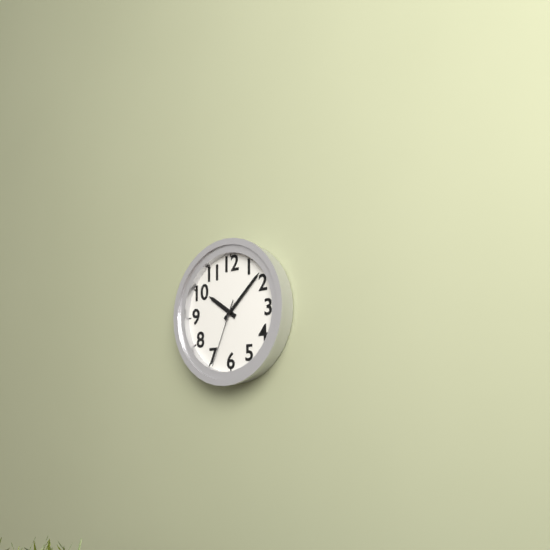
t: h=10 m=8 s=34
